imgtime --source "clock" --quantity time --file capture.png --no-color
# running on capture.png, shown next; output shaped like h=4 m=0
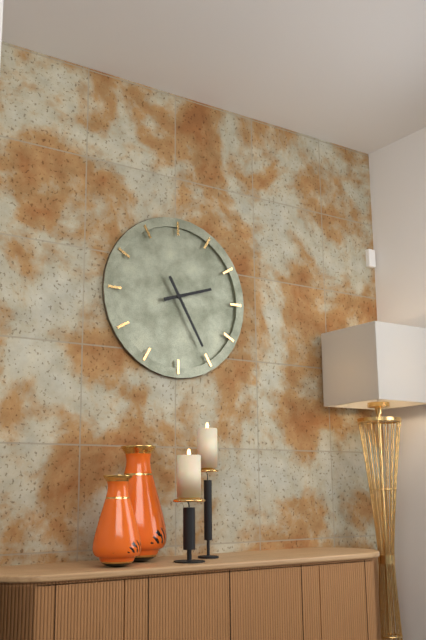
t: h=2 m=25
